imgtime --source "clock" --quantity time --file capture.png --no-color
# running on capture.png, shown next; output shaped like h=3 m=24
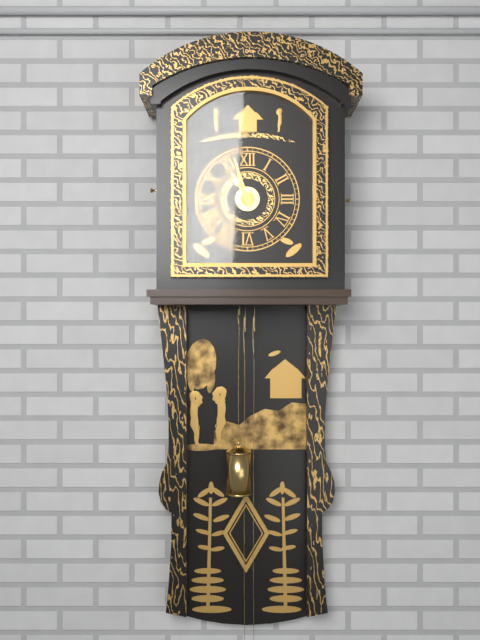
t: h=10 m=57
